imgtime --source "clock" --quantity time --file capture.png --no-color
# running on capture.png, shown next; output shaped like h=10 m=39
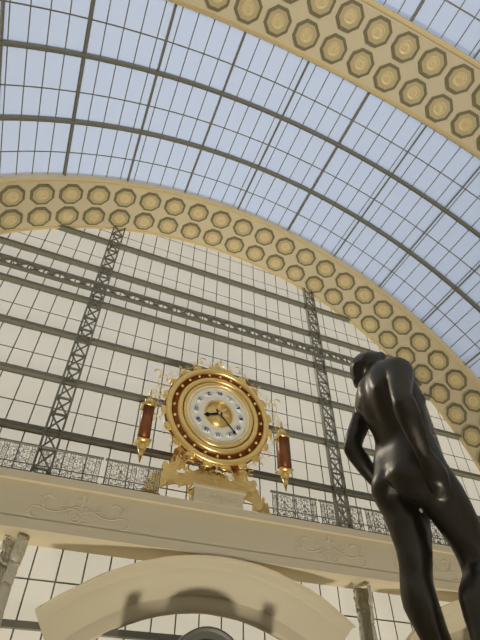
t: h=8 m=23
